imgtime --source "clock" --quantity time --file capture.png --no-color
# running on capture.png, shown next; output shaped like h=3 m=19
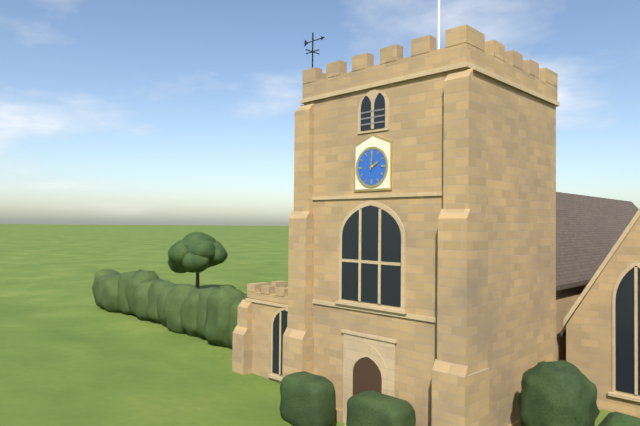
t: h=2 m=1
